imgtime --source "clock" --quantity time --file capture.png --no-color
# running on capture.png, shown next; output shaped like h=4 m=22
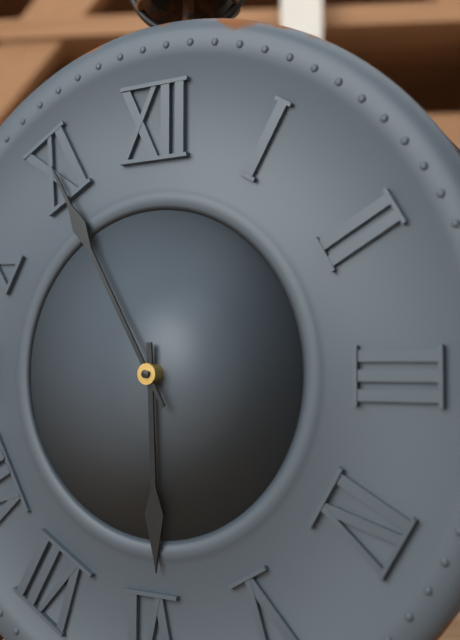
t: h=5 m=55
